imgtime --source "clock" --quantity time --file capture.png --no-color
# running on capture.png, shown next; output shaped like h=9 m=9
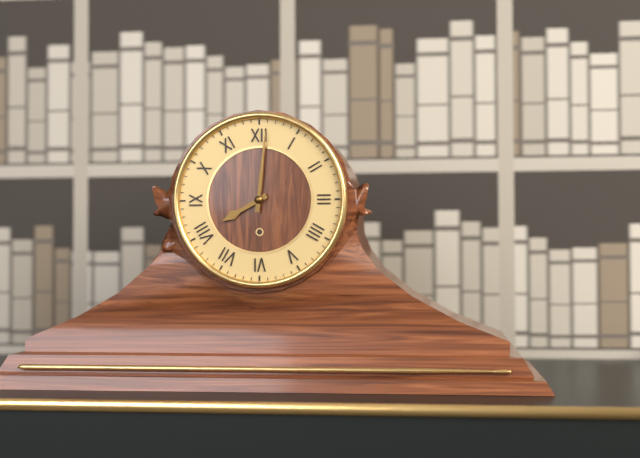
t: h=8 m=1
